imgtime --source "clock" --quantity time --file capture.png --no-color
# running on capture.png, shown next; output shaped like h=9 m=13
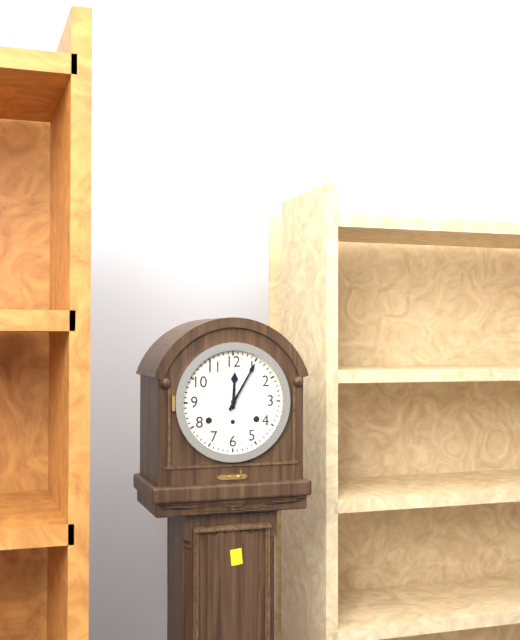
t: h=12 m=5
